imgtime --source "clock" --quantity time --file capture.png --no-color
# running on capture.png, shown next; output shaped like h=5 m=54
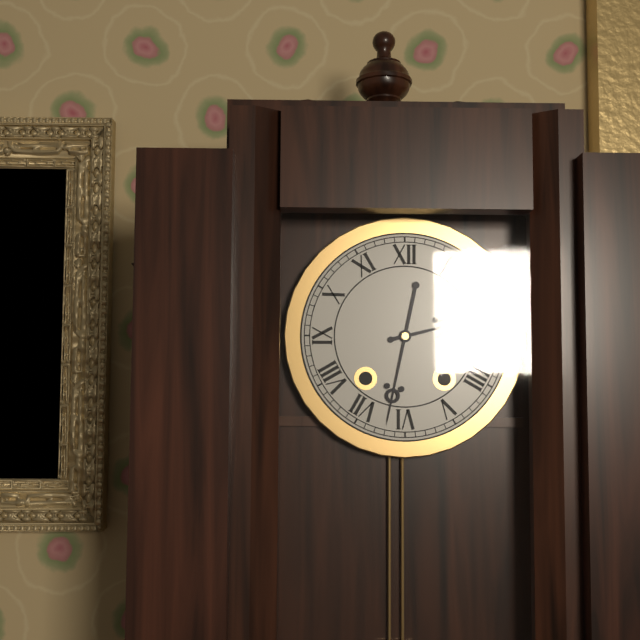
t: h=2 m=32
